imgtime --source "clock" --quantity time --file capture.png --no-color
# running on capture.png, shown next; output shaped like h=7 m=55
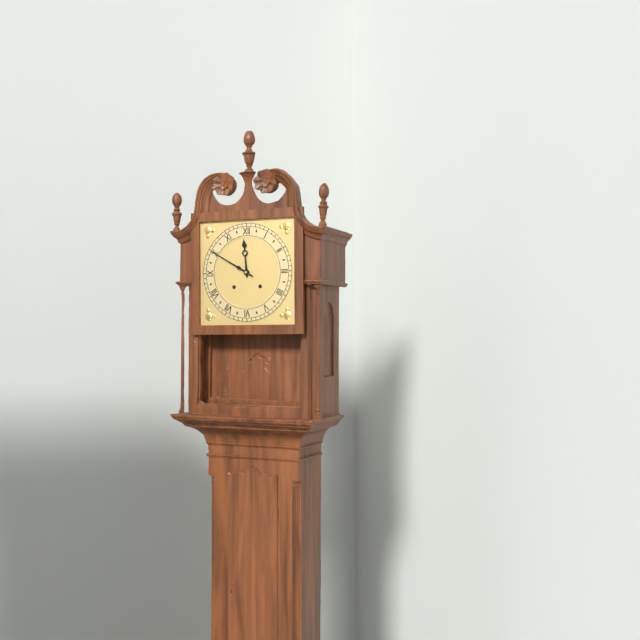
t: h=11 m=50
